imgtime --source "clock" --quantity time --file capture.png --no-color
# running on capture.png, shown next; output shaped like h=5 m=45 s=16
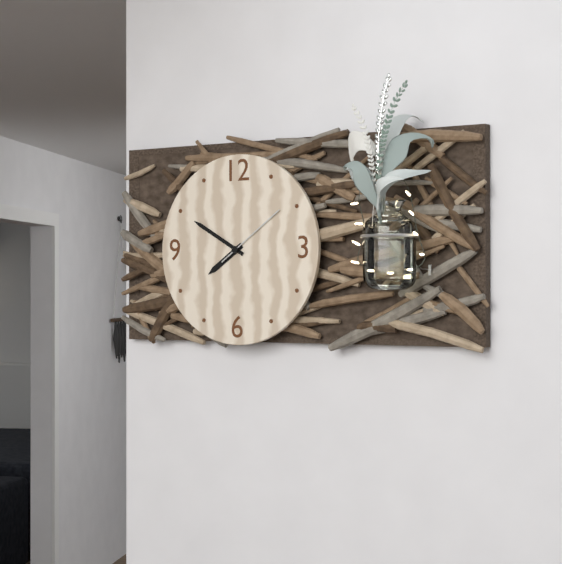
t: h=7 m=50 s=9
